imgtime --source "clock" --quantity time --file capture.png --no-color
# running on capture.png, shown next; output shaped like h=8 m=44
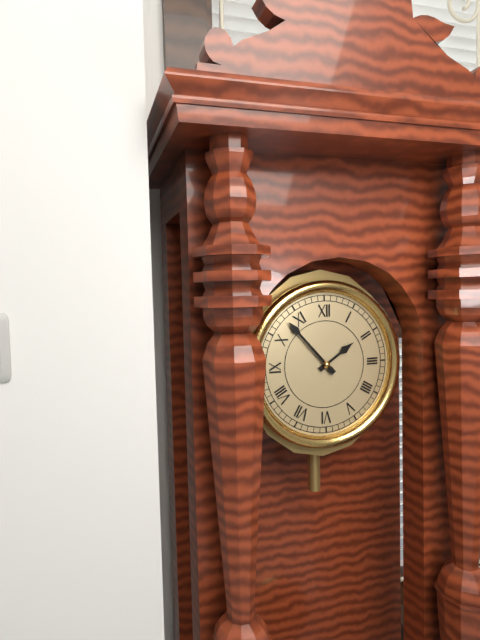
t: h=1 m=53
